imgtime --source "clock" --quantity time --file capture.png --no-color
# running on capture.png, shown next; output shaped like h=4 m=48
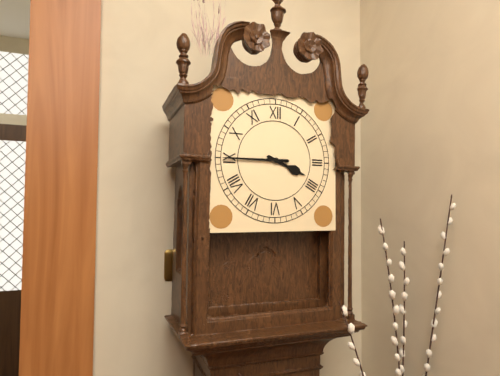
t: h=3 m=45
